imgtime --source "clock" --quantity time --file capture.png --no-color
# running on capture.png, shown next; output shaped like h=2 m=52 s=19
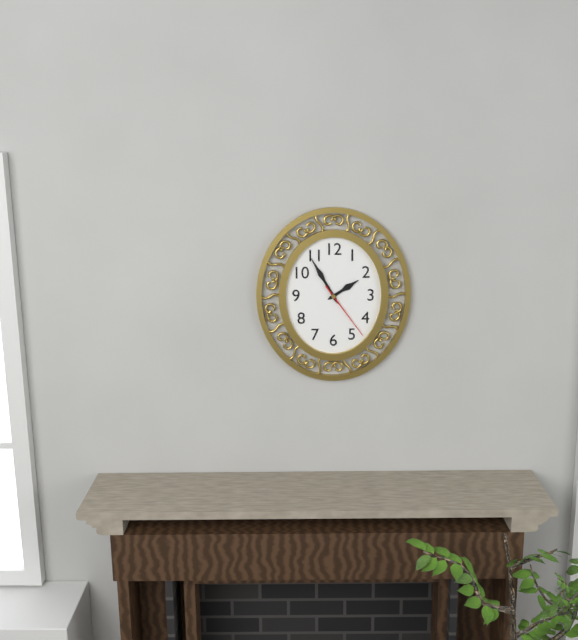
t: h=1 m=55 s=24
